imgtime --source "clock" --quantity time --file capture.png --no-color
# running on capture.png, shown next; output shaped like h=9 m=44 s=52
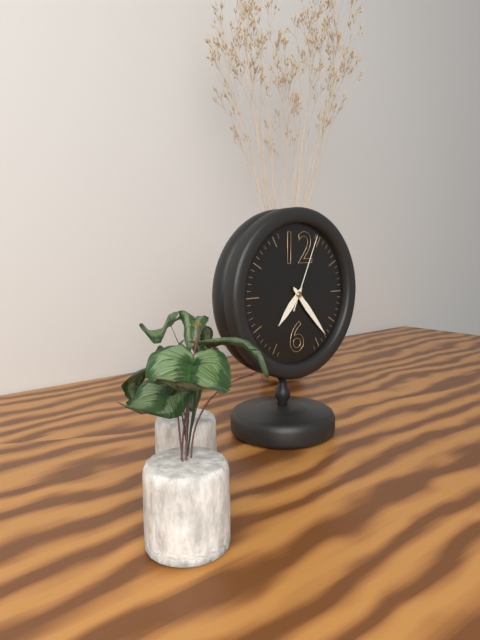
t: h=7 m=23 s=4
